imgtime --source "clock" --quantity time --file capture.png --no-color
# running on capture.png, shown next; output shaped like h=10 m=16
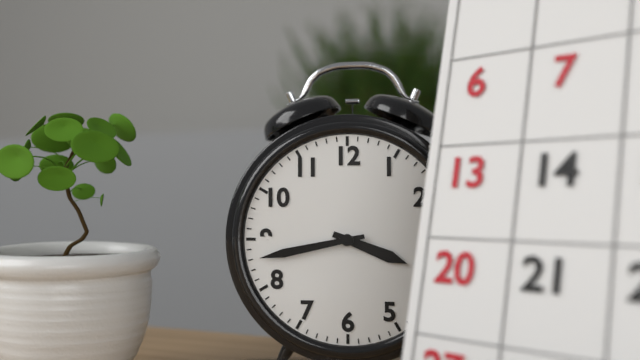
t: h=3 m=43
